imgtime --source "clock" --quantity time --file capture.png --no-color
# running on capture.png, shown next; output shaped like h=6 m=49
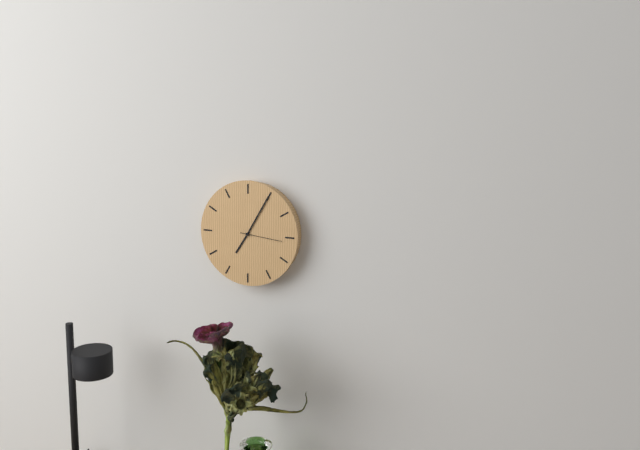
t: h=7 m=5
